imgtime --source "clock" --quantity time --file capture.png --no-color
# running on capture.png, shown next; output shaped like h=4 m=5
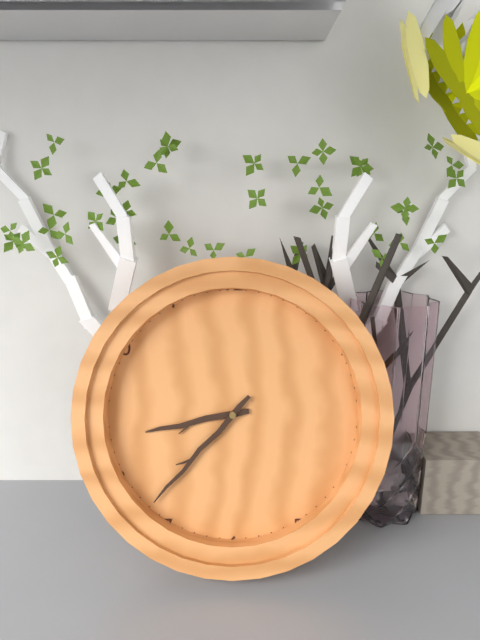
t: h=8 m=37
